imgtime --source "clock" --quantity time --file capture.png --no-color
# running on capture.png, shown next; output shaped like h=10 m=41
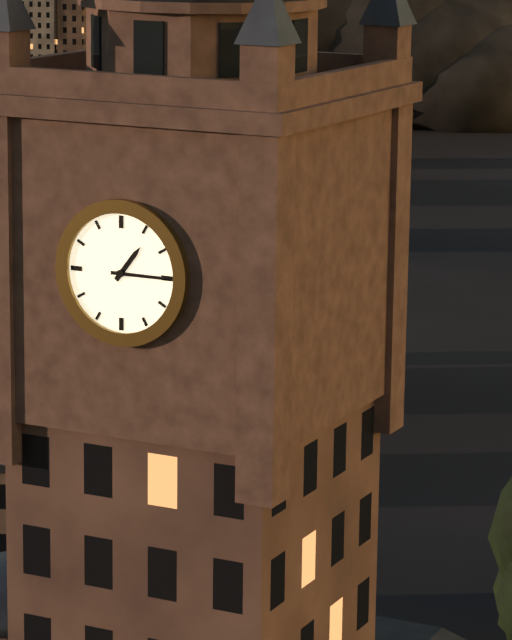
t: h=1 m=15
